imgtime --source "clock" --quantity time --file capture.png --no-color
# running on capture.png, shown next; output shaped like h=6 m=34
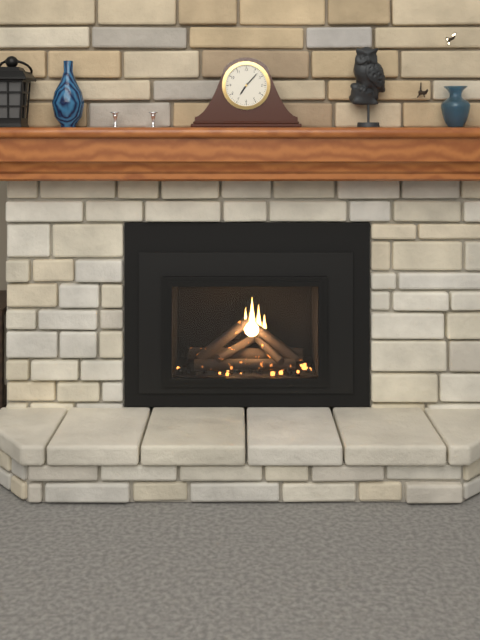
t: h=7 m=7
